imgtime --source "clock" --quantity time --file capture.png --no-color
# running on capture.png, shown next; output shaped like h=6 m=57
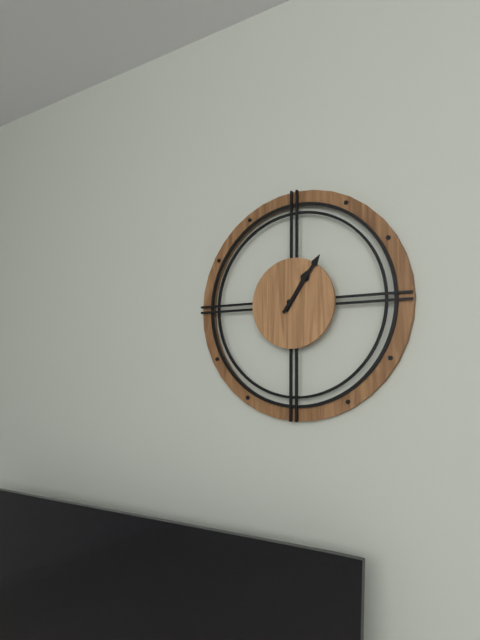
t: h=1 m=6
